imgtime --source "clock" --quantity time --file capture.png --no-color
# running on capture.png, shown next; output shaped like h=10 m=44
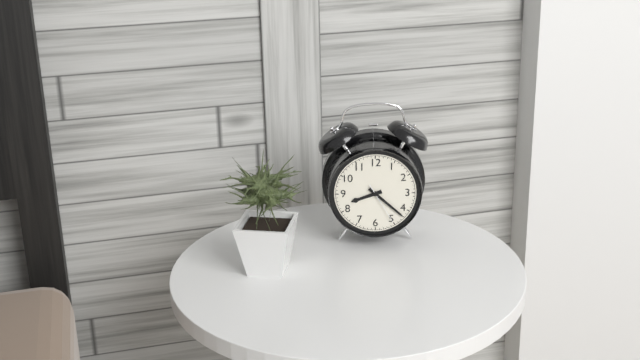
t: h=8 m=22
